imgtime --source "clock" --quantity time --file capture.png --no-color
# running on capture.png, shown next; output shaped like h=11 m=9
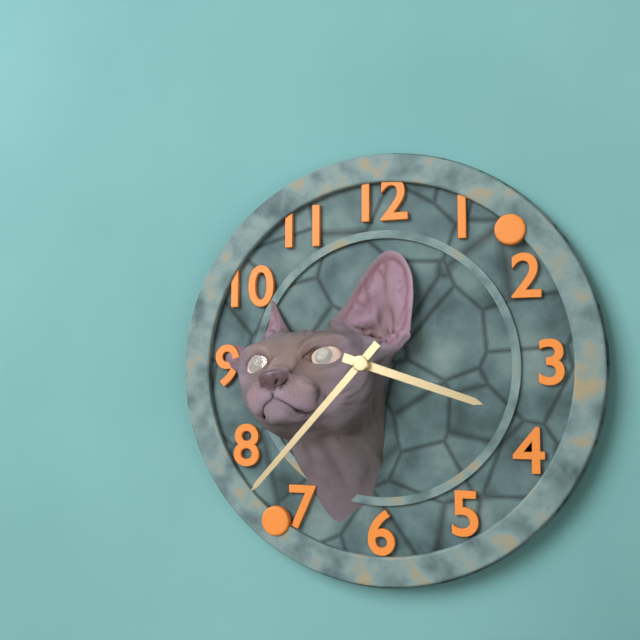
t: h=3 m=37
